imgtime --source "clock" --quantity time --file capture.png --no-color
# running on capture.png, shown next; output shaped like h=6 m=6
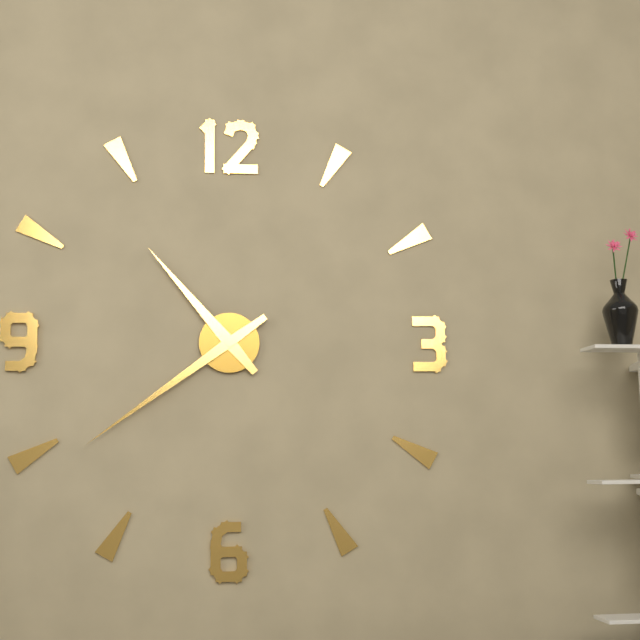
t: h=10 m=39
